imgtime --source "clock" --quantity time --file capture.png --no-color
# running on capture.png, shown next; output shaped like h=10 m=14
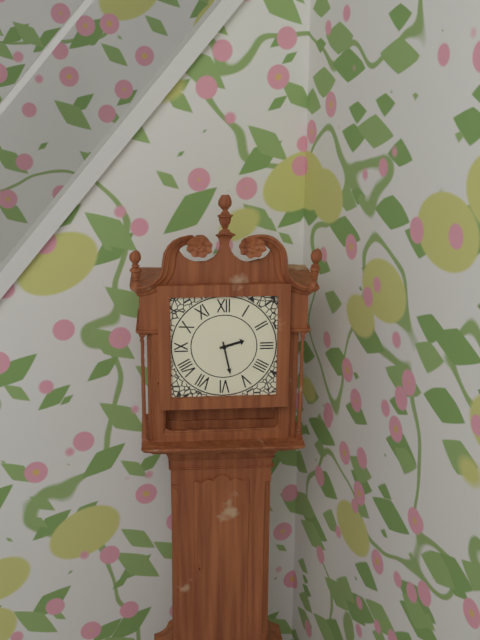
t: h=2 m=28
